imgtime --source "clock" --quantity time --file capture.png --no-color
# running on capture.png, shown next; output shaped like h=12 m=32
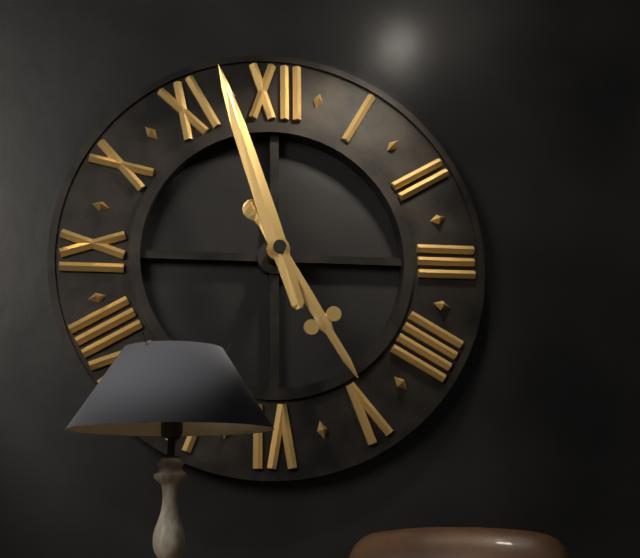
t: h=4 m=57
